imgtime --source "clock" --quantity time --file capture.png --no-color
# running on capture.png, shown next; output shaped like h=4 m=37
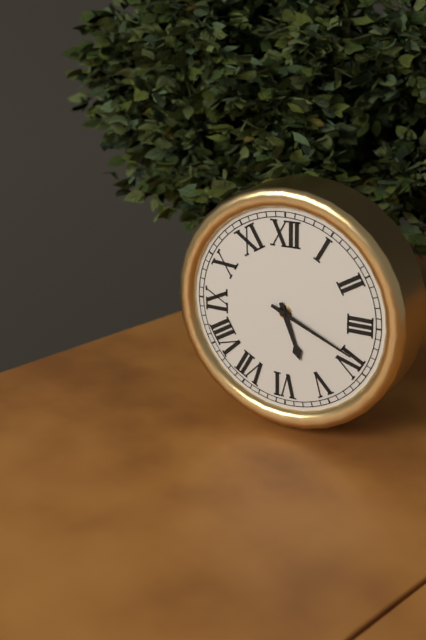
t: h=5 m=19
